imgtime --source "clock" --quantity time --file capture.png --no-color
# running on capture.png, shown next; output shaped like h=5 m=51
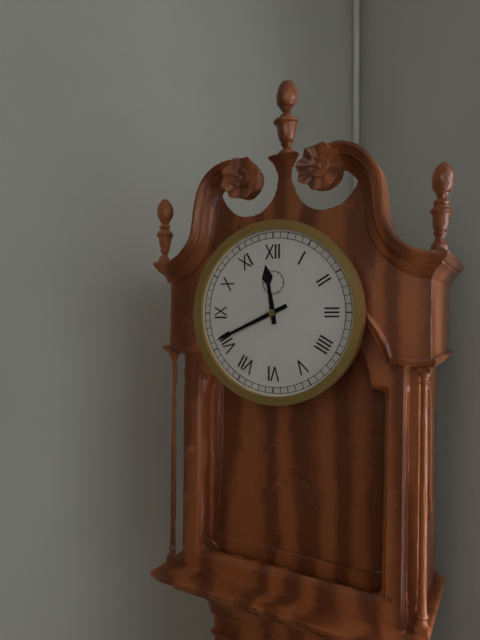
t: h=11 m=41
